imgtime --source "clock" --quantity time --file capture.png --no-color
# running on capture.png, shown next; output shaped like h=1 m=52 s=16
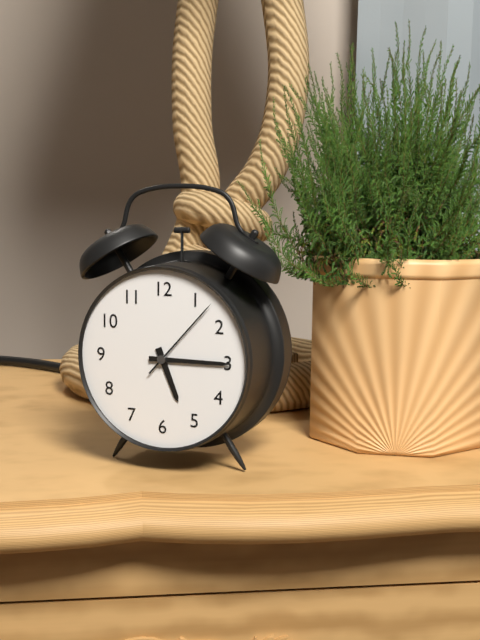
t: h=5 m=15 s=7
